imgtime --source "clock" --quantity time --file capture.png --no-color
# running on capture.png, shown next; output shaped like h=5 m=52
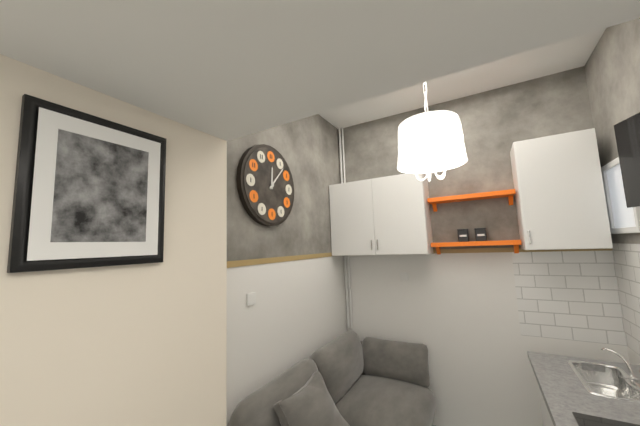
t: h=12 m=7
